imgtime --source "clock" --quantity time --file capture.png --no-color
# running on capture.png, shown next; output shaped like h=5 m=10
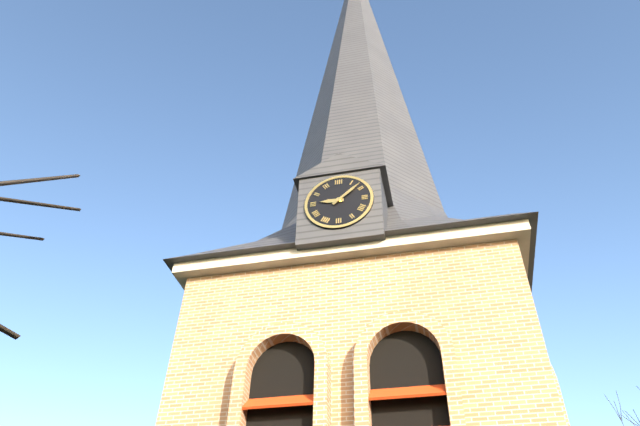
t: h=9 m=8
